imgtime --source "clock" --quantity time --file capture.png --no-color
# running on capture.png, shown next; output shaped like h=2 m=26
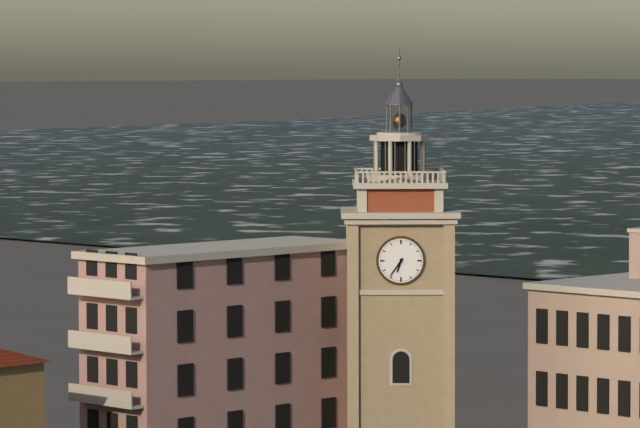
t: h=6 m=36
